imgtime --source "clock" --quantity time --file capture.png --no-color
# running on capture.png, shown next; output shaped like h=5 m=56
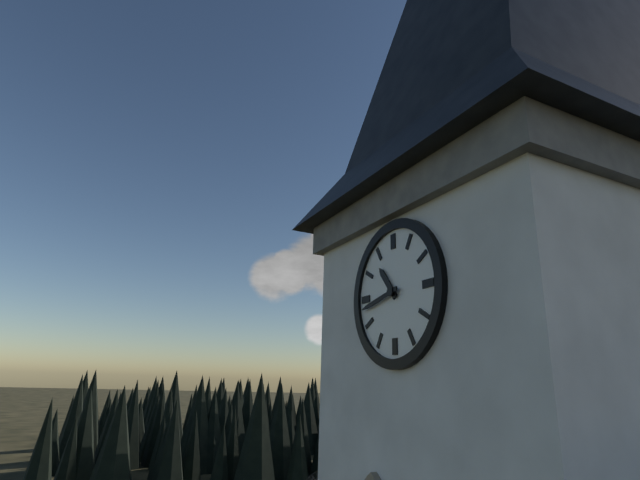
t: h=10 m=43
